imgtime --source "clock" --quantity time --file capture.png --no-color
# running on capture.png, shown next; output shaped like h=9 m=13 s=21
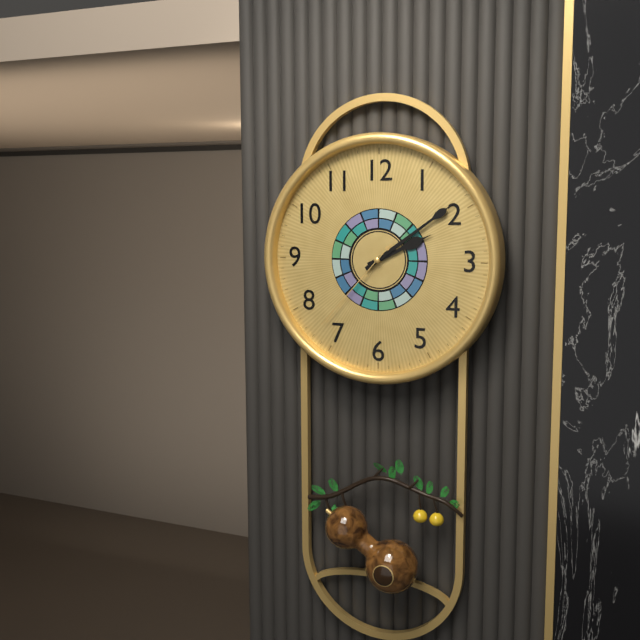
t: h=2 m=9 s=37
